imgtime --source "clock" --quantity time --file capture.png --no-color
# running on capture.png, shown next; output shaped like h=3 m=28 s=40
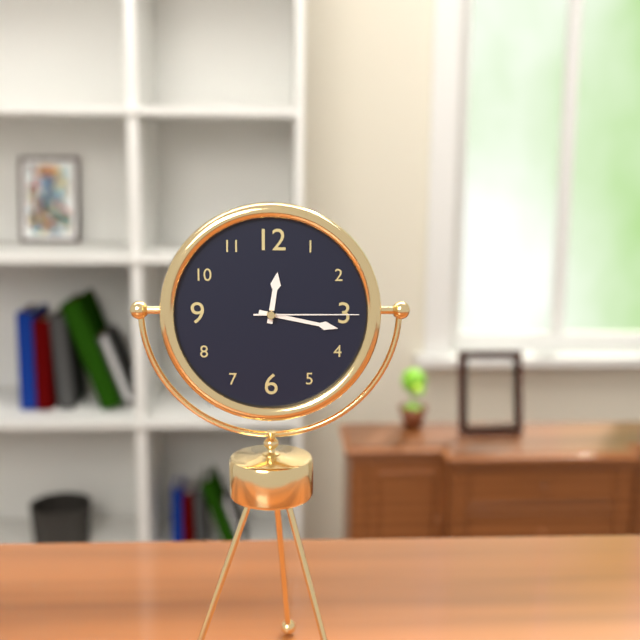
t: h=12 m=17 s=15
